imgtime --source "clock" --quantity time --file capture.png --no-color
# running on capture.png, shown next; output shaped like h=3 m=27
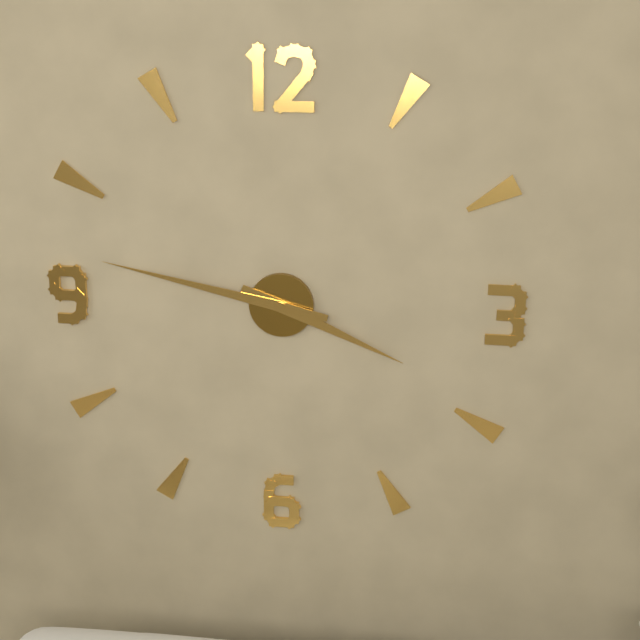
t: h=3 m=47
